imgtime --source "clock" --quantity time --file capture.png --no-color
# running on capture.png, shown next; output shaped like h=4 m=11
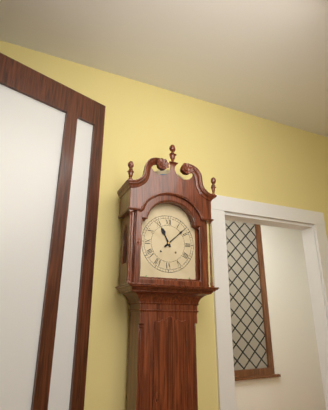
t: h=11 m=8
